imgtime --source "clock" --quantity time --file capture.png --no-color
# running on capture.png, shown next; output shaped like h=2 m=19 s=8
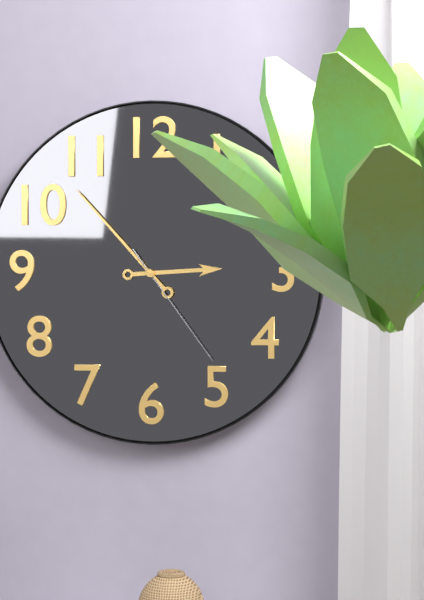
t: h=2 m=53 s=24
